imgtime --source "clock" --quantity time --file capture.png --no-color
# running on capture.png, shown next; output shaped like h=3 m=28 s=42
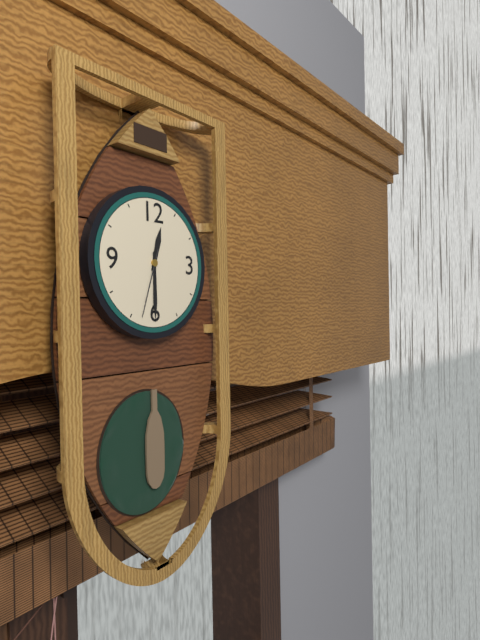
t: h=12 m=30 s=33
